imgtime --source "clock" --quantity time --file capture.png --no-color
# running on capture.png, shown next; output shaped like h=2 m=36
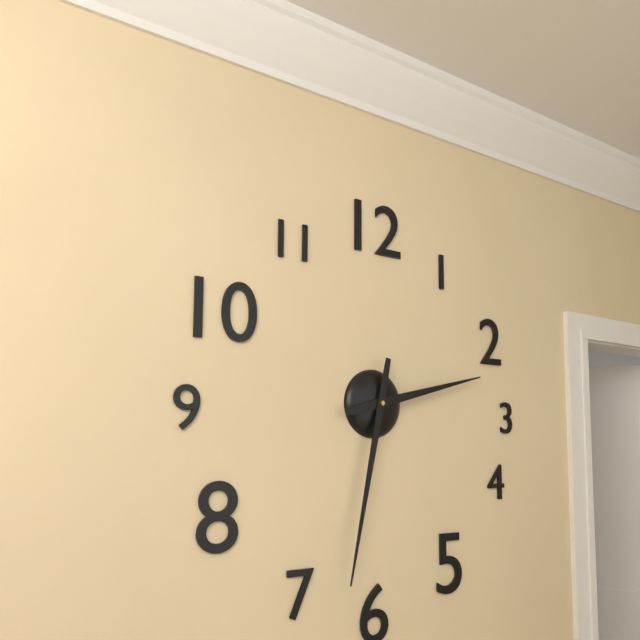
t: h=2 m=32
